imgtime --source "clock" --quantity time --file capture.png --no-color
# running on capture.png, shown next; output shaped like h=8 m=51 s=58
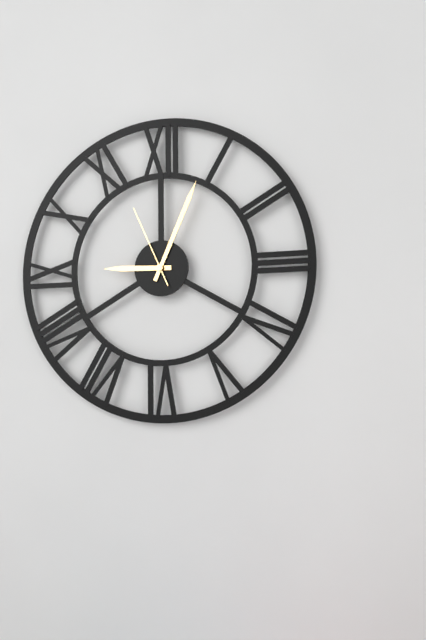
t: h=9 m=4 s=56
